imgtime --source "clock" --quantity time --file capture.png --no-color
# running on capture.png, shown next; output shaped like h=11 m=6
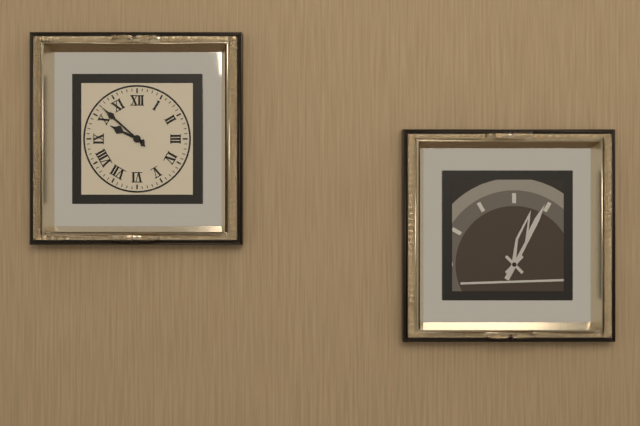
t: h=9 m=52
